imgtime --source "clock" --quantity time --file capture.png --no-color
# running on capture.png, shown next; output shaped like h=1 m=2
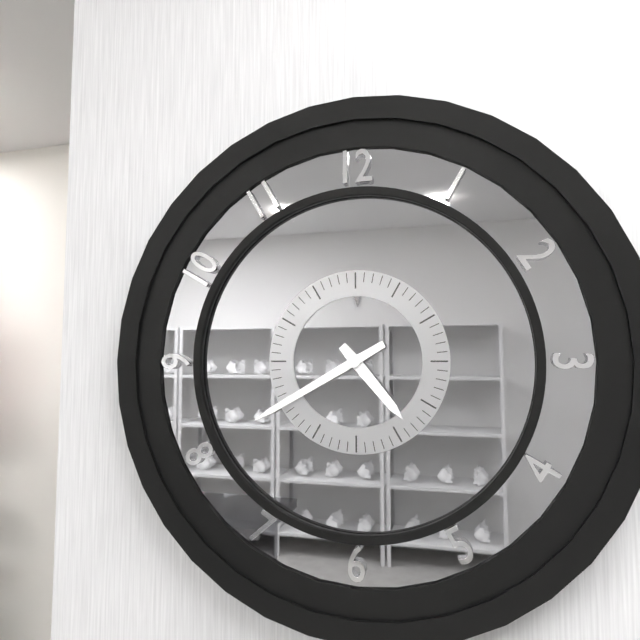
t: h=4 m=40
